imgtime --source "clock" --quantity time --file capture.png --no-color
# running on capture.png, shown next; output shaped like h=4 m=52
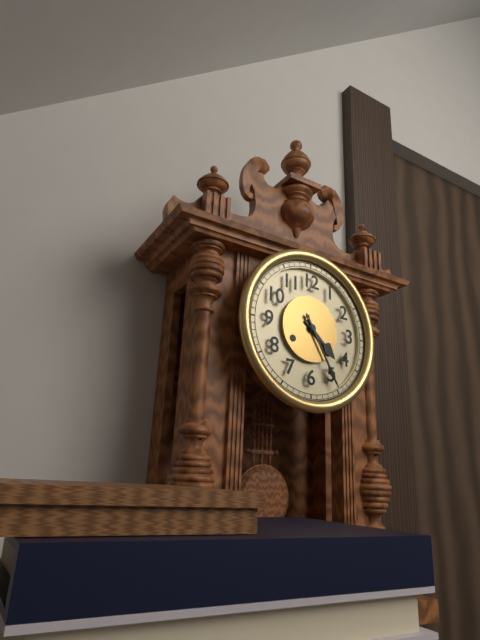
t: h=4 m=25
